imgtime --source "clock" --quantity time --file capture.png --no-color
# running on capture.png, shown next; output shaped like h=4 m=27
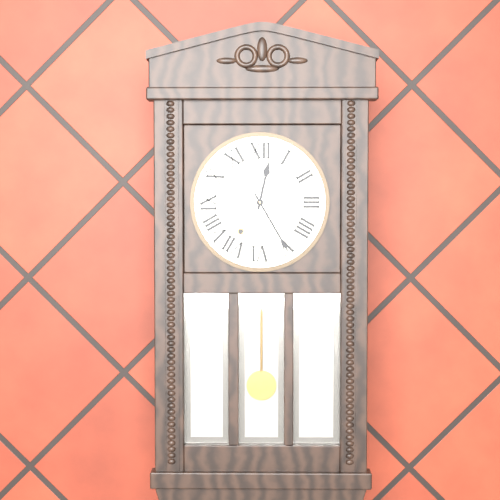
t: h=12 m=25
